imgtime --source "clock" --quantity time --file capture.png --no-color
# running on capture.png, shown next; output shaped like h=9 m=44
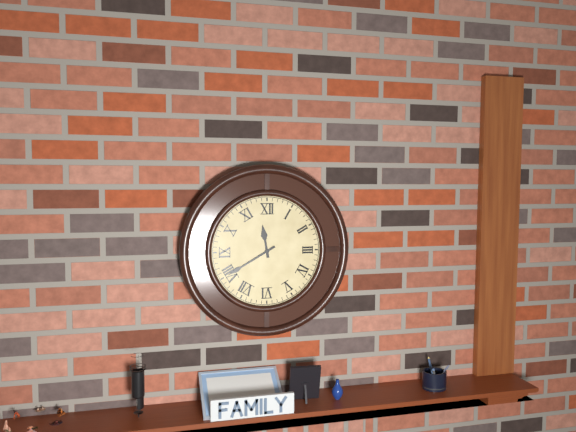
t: h=11 m=40
